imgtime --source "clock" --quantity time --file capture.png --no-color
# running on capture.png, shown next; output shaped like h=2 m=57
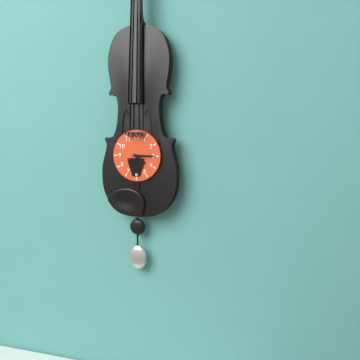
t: h=4 m=15
